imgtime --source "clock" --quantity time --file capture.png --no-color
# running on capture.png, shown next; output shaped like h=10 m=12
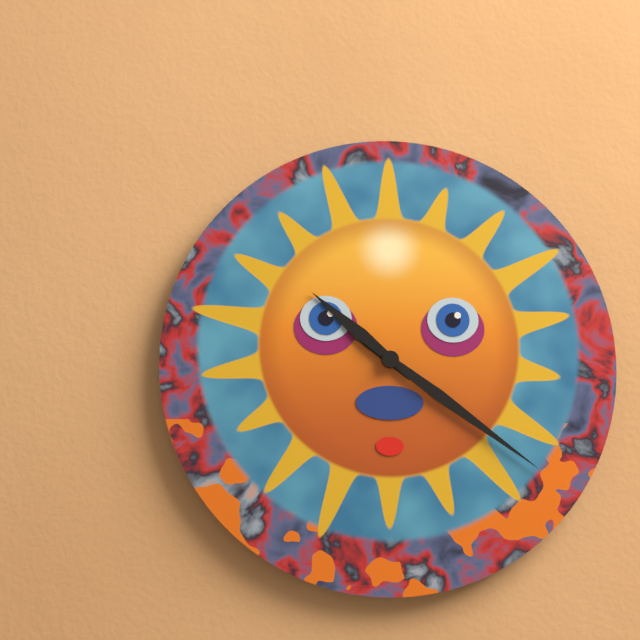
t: h=10 m=21
